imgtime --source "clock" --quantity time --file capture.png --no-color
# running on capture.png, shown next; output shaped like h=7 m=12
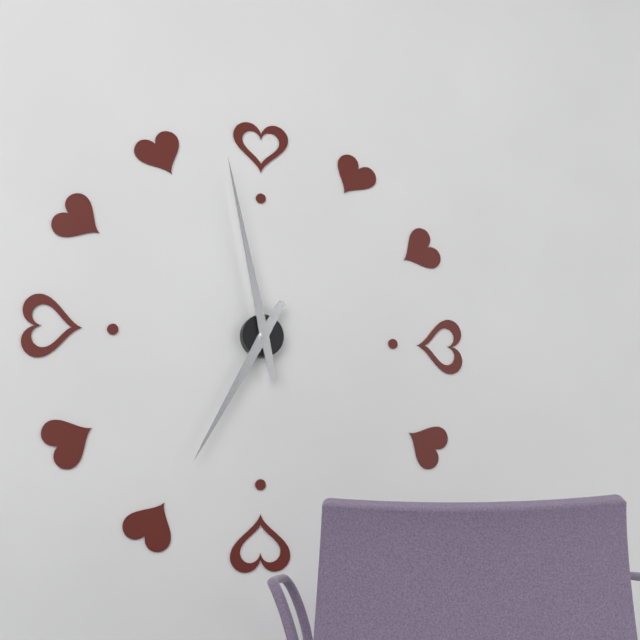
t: h=6 m=58
